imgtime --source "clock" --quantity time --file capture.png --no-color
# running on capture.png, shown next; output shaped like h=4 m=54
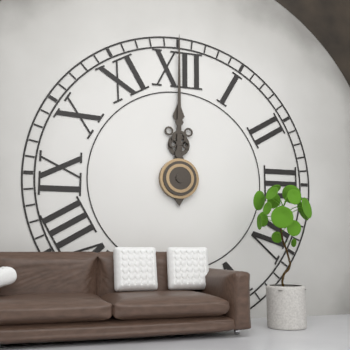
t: h=12 m=0
